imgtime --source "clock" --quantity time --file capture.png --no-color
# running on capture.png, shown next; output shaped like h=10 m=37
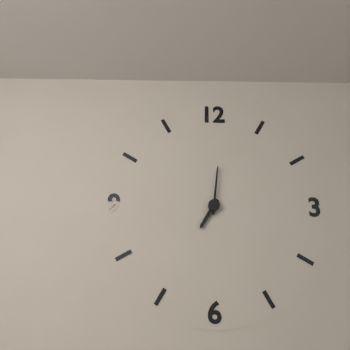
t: h=7 m=1
